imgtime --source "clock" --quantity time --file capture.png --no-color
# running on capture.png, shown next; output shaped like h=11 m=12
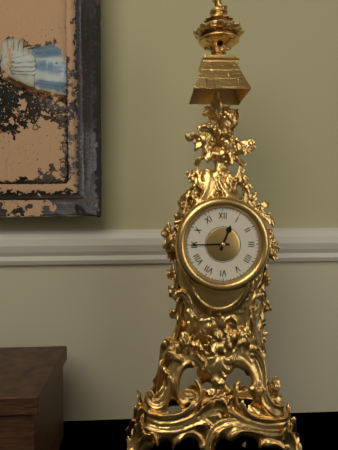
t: h=12 m=45
